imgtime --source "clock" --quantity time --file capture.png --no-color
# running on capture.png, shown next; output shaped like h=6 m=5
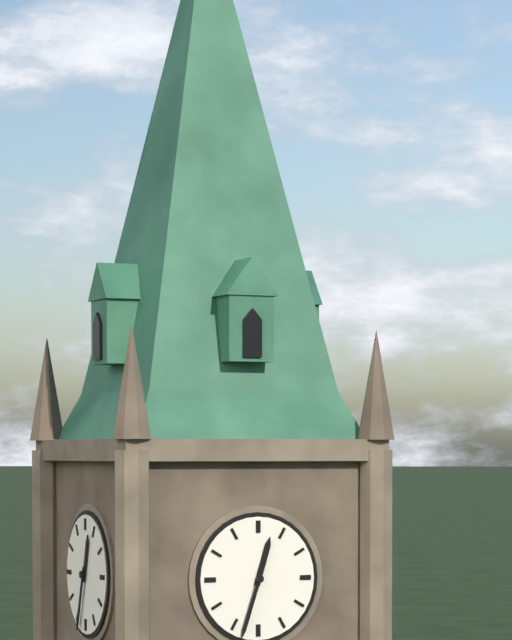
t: h=12 m=33
